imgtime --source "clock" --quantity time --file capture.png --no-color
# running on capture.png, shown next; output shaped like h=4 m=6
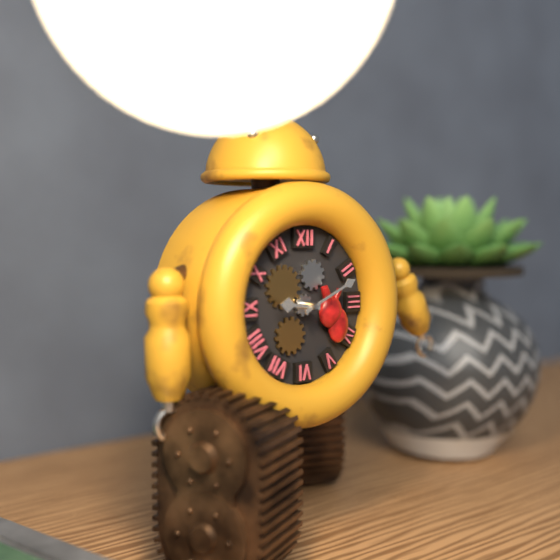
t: h=9 m=11
